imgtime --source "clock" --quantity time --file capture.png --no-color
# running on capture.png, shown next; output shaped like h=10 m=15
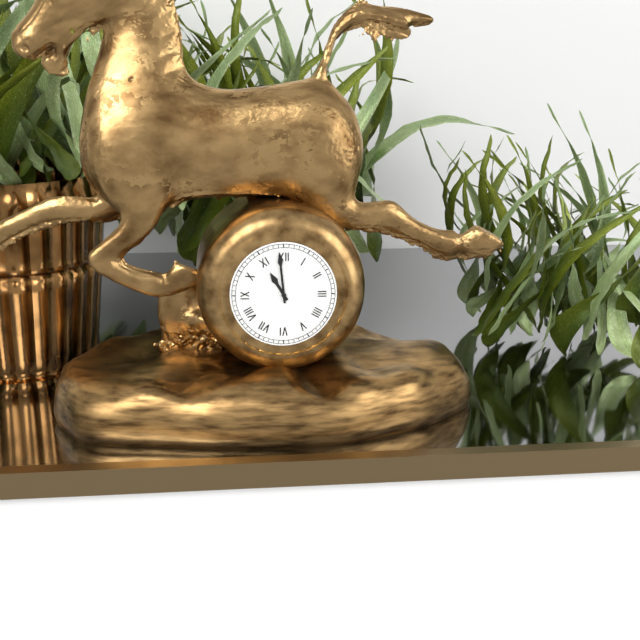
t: h=10 m=59
